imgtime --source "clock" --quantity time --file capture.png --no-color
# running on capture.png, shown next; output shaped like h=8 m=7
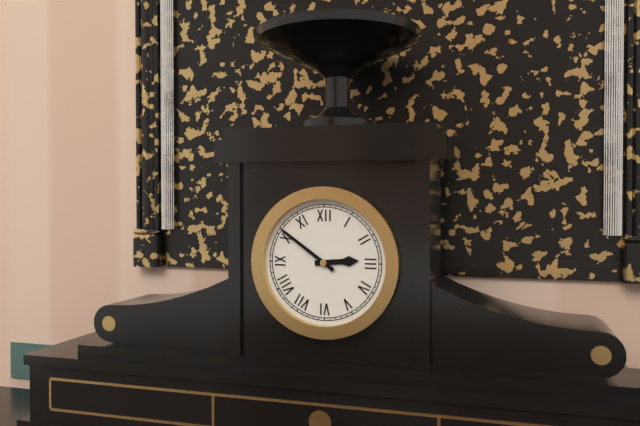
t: h=2 m=51
